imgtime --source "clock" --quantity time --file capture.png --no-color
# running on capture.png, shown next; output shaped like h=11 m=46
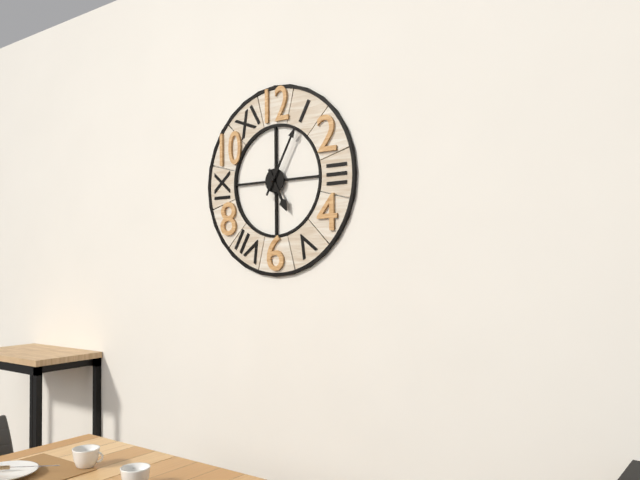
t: h=5 m=5
